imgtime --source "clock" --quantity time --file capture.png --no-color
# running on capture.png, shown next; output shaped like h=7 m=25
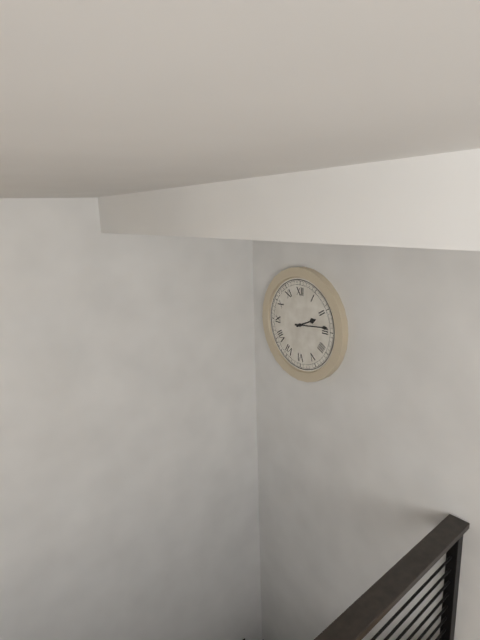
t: h=2 m=14
